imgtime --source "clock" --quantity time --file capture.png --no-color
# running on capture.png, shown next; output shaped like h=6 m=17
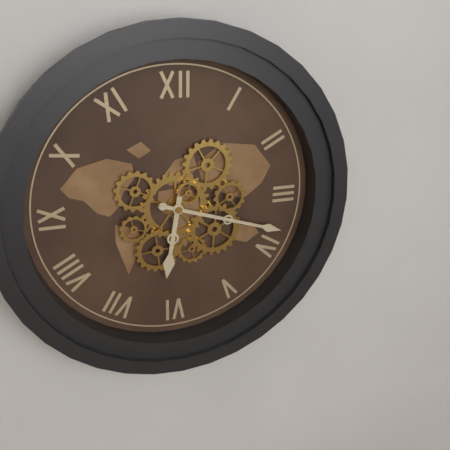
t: h=6 m=18
